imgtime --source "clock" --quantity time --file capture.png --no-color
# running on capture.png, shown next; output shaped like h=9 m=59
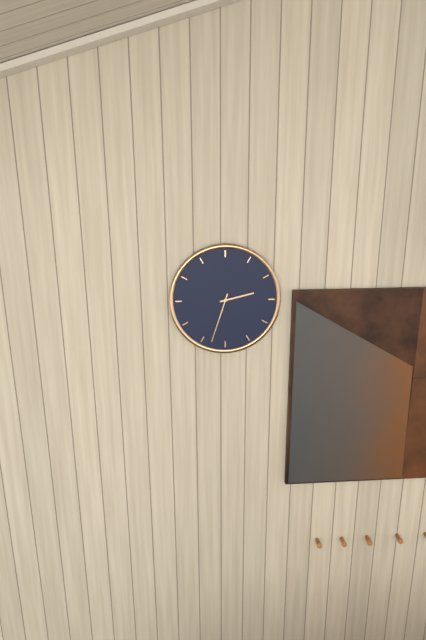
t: h=2 m=33
